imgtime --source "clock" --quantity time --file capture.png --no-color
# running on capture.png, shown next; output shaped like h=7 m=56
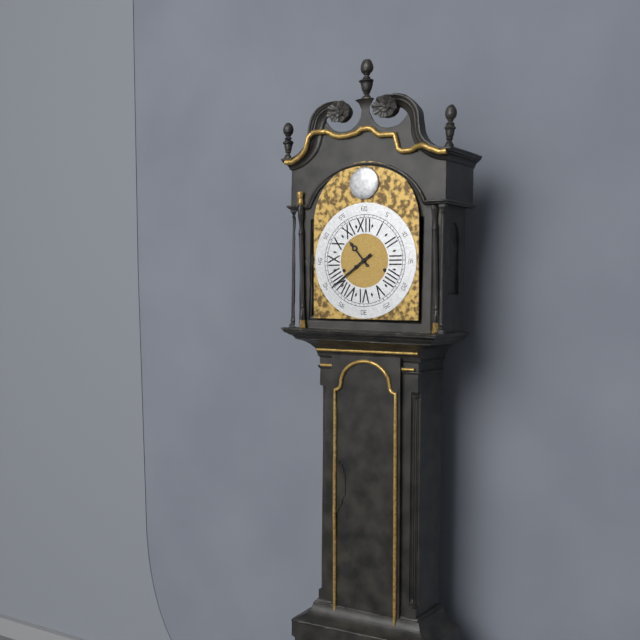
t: h=10 m=39
